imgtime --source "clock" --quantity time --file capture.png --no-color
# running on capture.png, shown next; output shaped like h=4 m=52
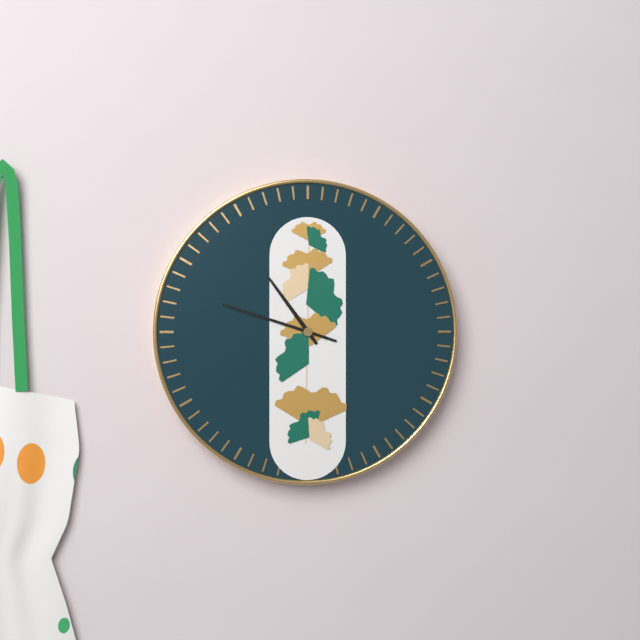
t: h=10 m=48
